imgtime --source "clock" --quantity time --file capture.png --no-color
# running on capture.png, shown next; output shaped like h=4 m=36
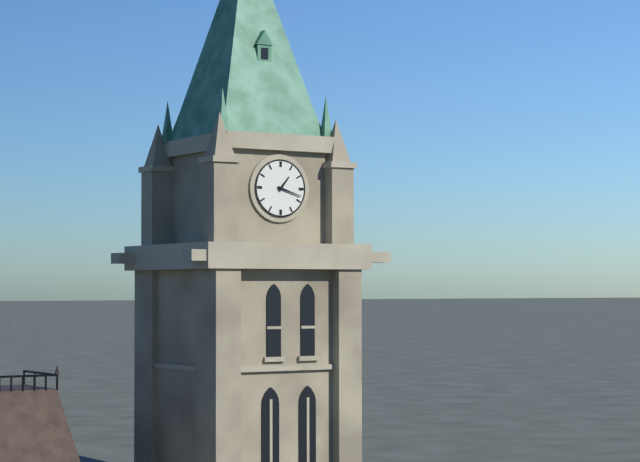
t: h=1 m=18
